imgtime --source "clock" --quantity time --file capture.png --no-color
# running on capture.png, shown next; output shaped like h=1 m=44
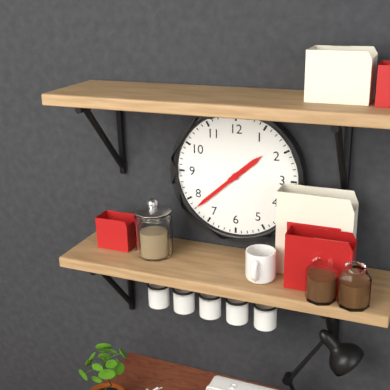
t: h=1 m=38
